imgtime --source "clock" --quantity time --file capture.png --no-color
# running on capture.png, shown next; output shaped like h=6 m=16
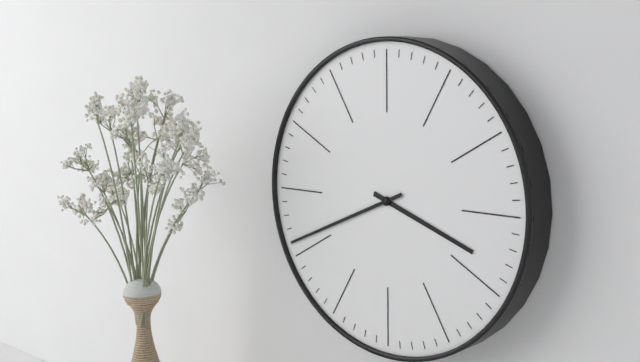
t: h=3 m=41
